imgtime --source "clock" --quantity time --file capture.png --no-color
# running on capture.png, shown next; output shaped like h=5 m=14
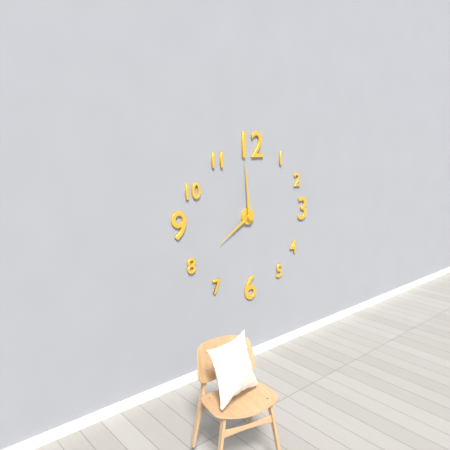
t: h=7 m=59
